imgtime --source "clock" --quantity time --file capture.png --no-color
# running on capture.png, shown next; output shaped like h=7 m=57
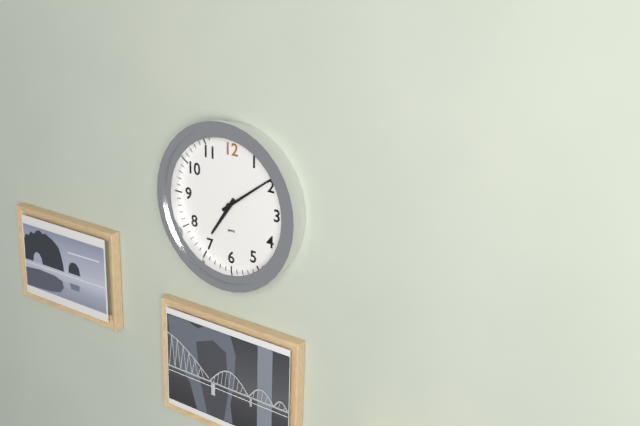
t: h=7 m=9
